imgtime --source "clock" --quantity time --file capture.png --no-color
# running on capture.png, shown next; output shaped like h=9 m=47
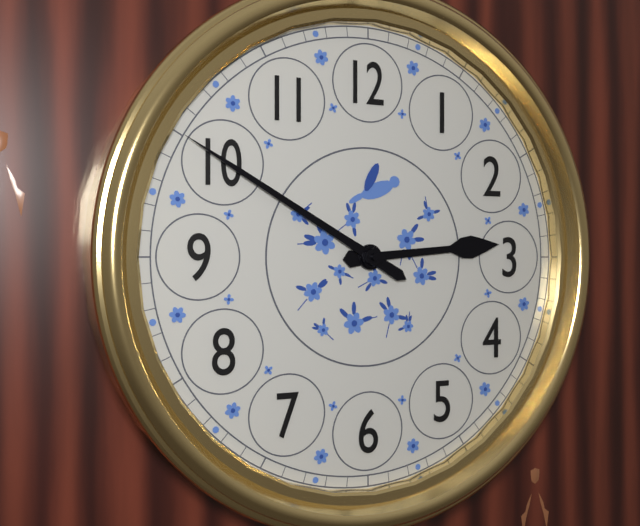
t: h=2 m=50
